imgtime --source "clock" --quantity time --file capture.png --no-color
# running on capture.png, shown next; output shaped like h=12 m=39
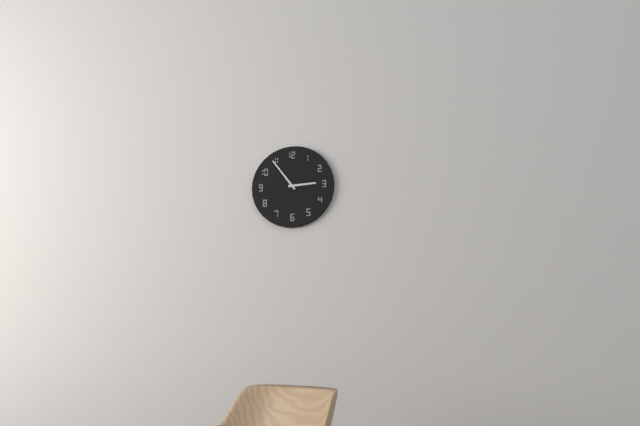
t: h=2 m=54
